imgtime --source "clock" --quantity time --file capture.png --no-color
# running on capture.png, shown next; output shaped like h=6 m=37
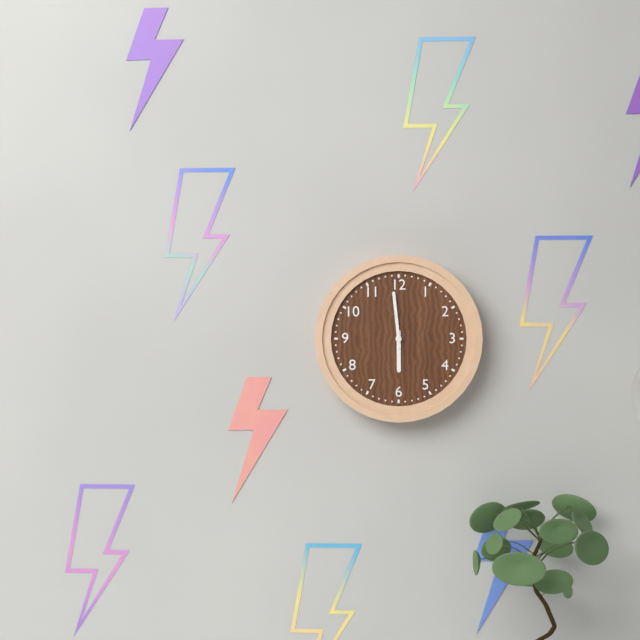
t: h=5 m=59
